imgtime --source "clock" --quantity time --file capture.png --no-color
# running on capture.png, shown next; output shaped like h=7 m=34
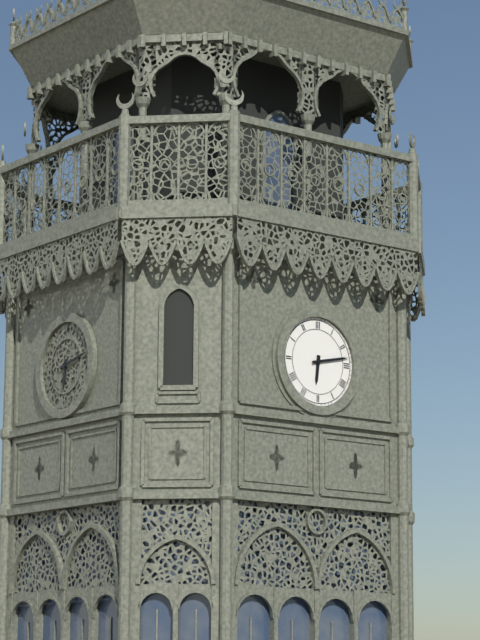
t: h=6 m=13
